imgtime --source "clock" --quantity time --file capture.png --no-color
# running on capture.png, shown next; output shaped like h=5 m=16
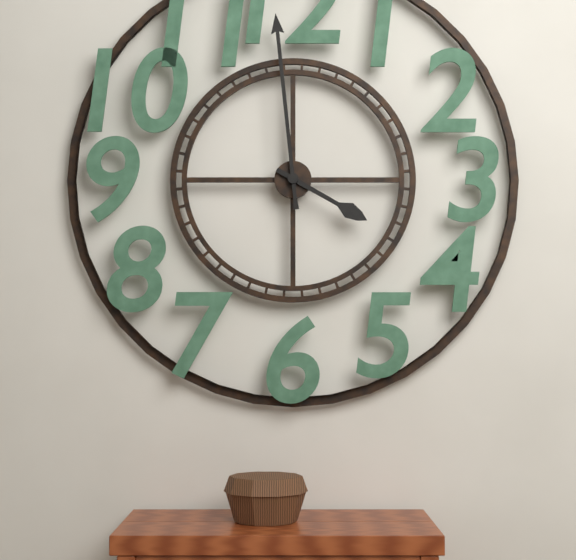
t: h=3 m=59
